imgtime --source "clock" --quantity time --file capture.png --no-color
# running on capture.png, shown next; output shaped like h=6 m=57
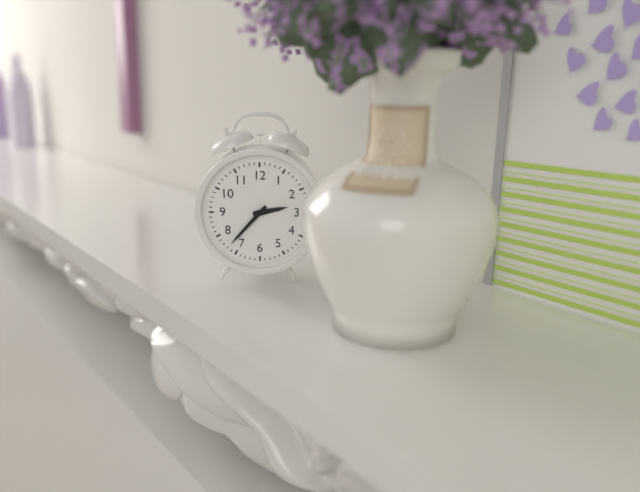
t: h=2 m=37
